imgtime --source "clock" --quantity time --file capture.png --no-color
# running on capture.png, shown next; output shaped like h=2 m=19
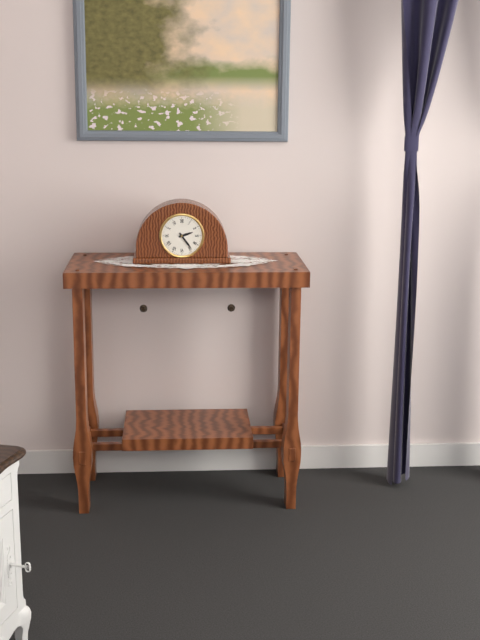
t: h=2 m=24
